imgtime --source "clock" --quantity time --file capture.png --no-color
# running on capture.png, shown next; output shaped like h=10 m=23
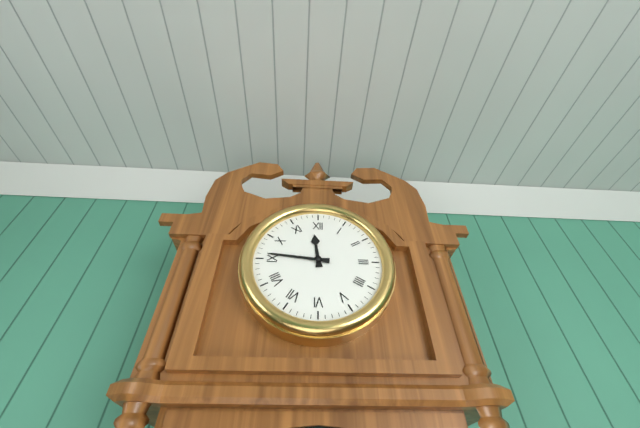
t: h=11 m=46
